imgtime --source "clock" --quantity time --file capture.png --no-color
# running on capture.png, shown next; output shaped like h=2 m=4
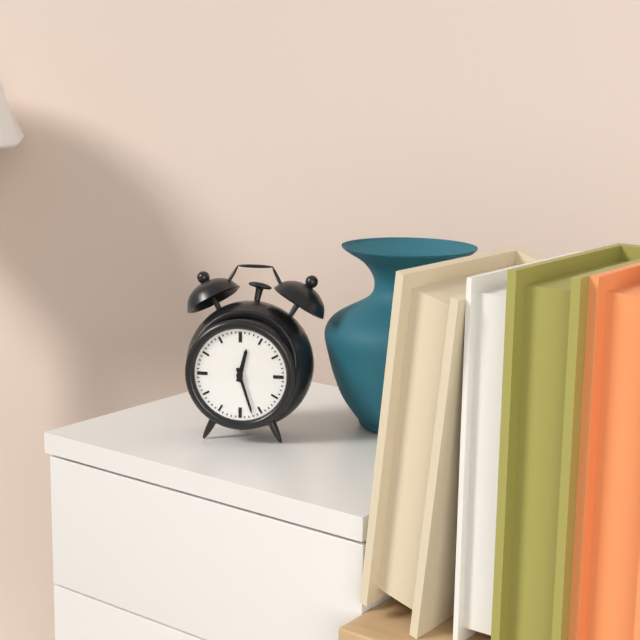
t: h=12 m=27
